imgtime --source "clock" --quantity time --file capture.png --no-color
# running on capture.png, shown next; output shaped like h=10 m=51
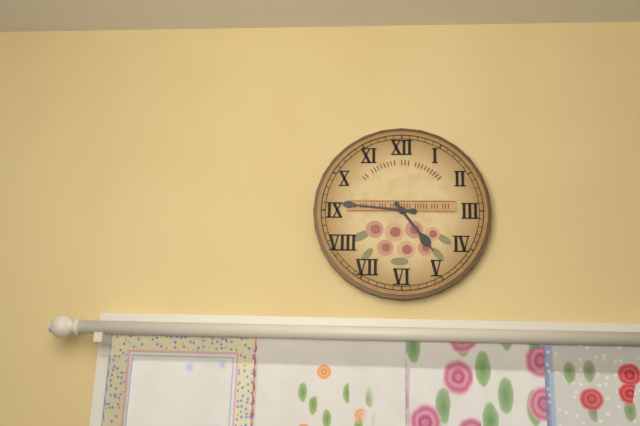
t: h=4 m=46
